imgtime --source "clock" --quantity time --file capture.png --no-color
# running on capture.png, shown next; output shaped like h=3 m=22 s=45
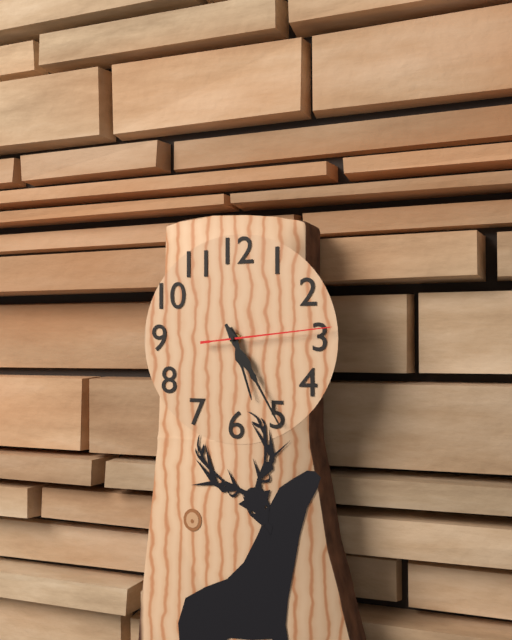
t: h=5 m=25 s=14
